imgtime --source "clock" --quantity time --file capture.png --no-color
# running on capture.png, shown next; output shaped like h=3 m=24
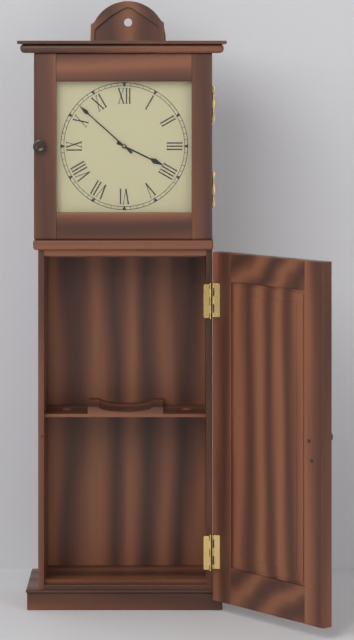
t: h=3 m=52
